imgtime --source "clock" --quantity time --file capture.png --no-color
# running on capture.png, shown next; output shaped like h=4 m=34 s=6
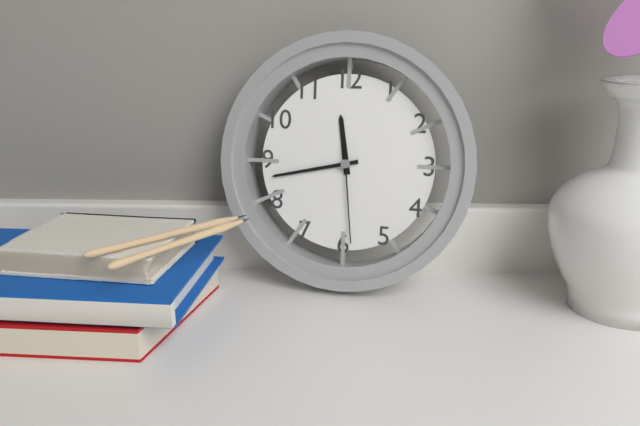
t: h=11 m=43 s=29
